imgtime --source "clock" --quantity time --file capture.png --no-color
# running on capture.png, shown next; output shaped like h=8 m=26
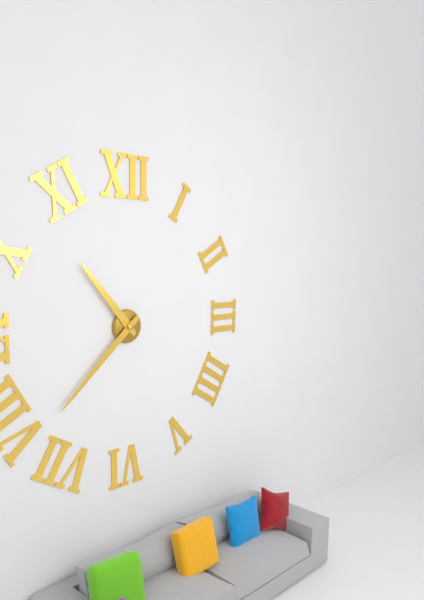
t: h=10 m=38
